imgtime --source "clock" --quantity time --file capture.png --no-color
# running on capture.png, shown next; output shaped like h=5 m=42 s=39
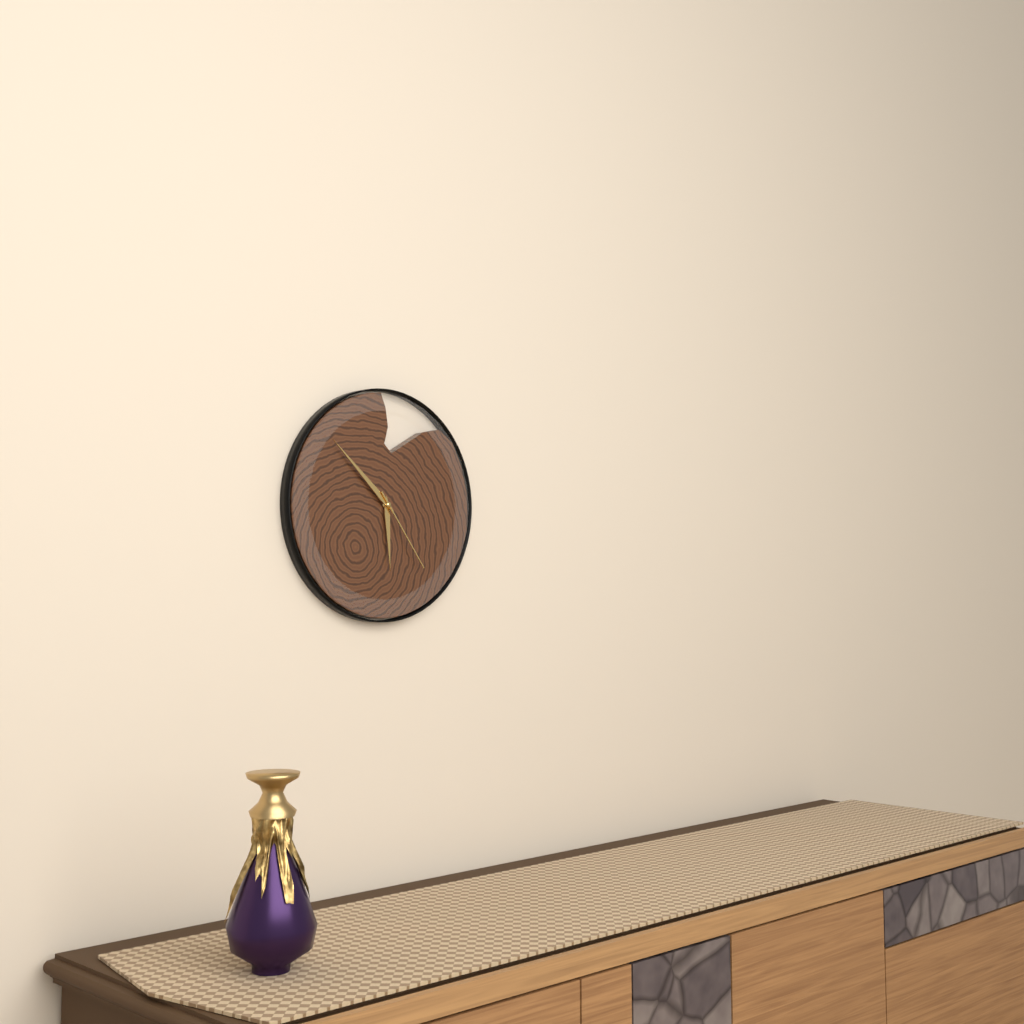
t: h=5 m=52 s=24
